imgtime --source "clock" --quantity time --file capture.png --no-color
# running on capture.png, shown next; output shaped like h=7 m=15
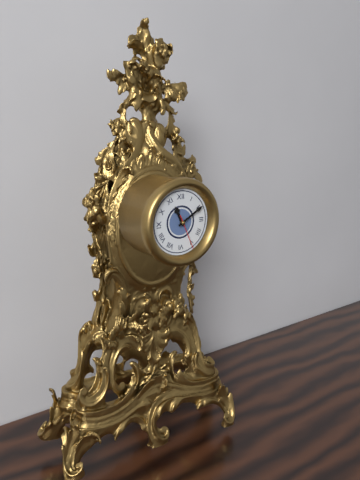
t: h=11 m=10
